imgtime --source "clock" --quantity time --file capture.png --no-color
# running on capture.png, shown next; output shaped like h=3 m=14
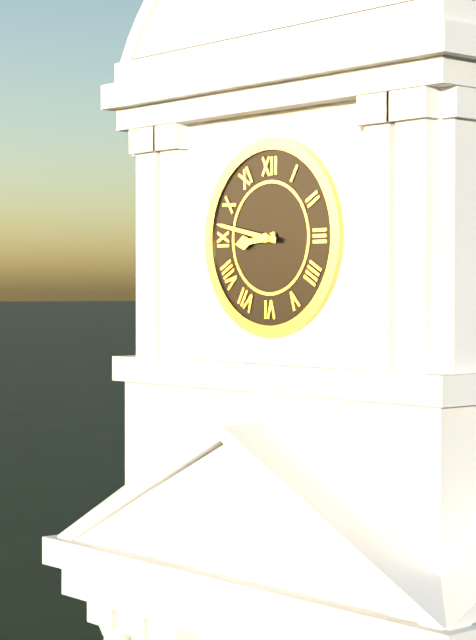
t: h=8 m=47
